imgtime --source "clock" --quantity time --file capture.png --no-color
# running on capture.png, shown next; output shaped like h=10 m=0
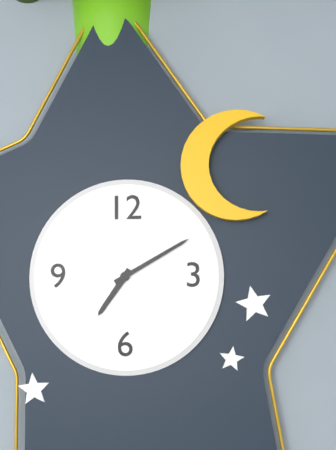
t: h=7 m=10
